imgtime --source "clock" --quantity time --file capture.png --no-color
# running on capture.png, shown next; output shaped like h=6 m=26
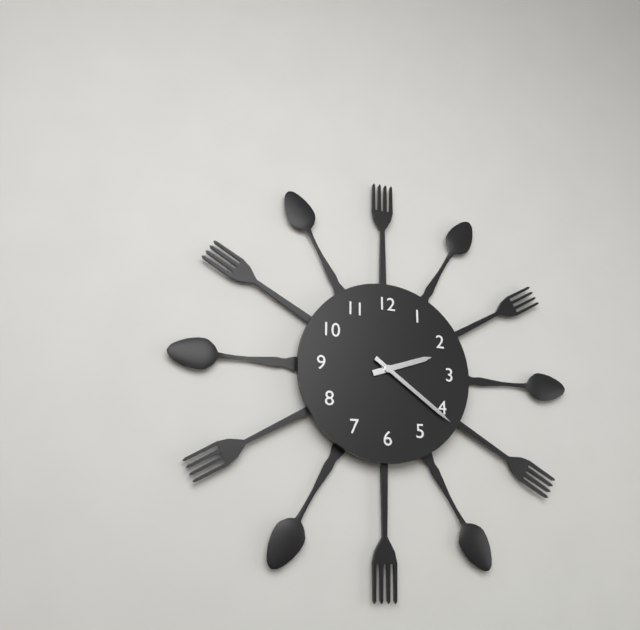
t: h=2 m=21
